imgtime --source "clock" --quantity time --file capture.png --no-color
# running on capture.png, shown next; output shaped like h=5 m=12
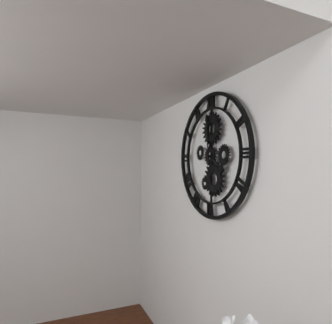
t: h=3 m=59
